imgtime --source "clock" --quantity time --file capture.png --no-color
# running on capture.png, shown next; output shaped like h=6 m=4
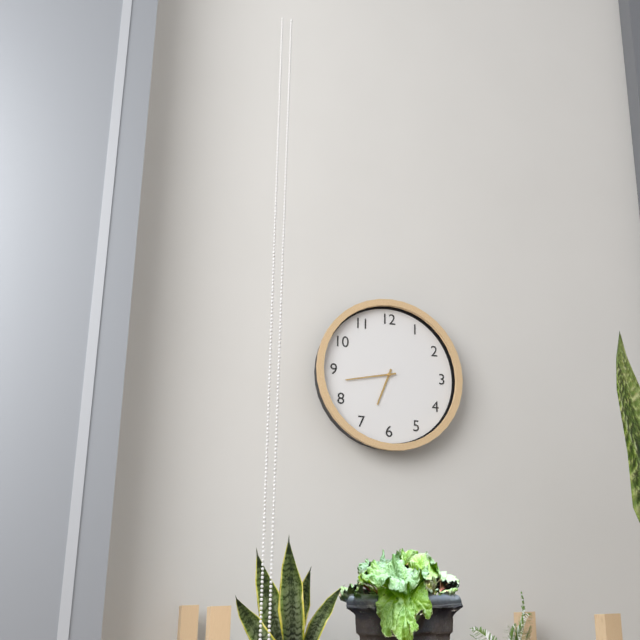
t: h=6 m=43
